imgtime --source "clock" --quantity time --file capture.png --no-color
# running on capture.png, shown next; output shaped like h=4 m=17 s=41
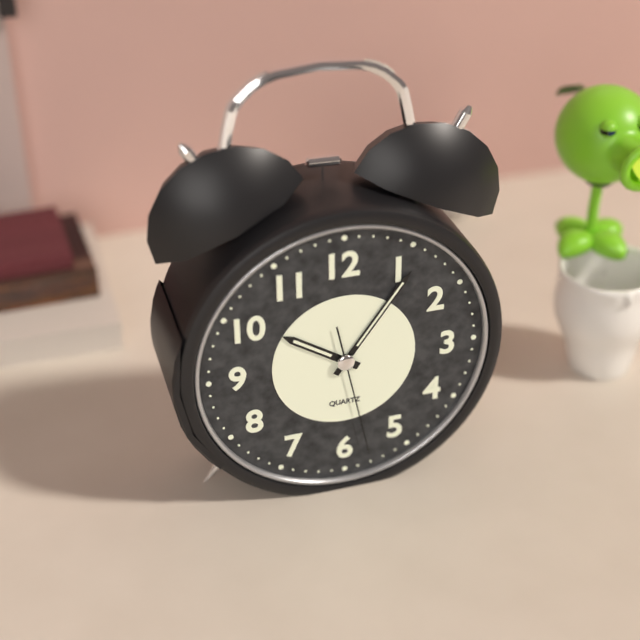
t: h=10 m=6 s=28
